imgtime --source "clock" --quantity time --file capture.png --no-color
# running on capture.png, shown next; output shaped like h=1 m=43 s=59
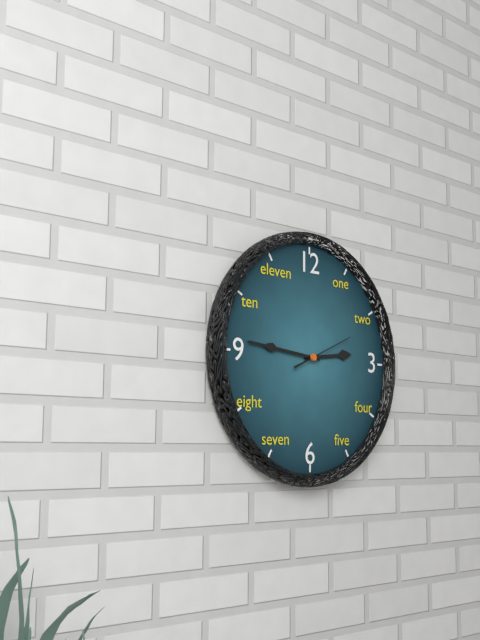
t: h=2 m=46 s=11
